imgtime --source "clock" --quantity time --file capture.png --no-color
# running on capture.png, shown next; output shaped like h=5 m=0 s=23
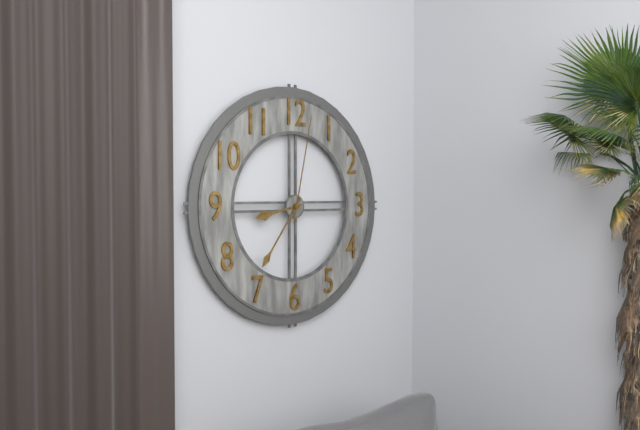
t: h=8 m=36 s=2
